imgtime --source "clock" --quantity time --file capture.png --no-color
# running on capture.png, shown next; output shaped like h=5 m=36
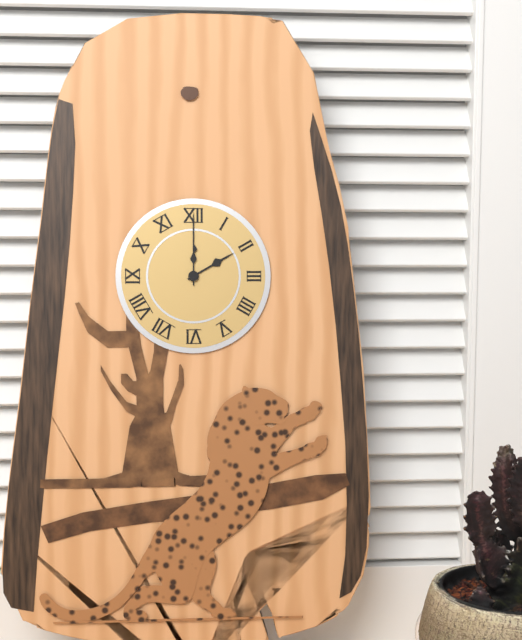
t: h=2 m=0
